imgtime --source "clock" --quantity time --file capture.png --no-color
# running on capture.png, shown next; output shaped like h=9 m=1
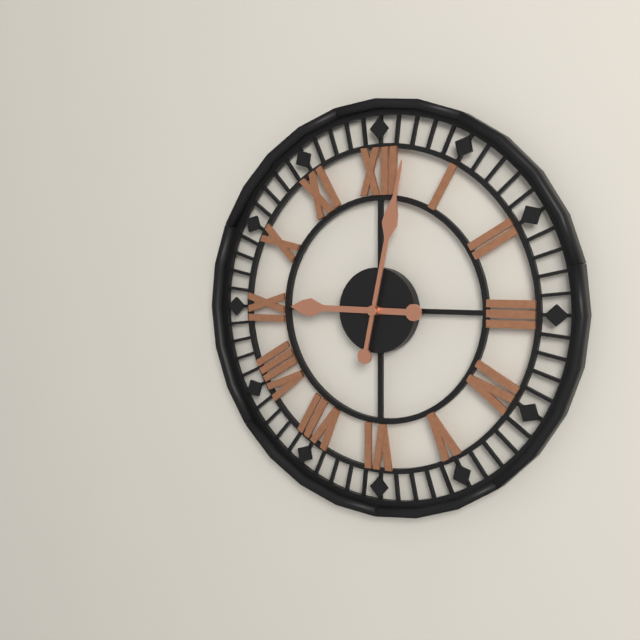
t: h=9 m=2
